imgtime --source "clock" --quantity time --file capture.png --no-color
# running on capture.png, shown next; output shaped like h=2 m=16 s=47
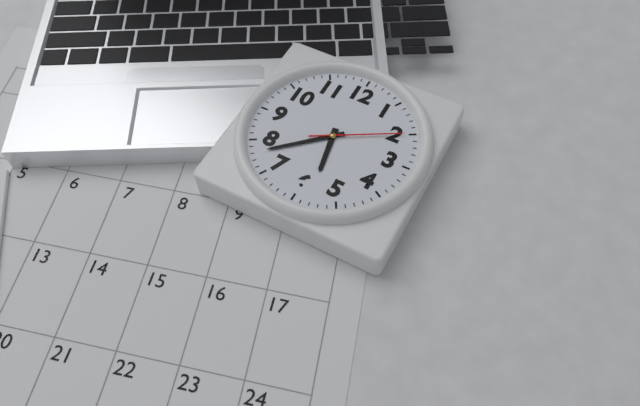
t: h=5 m=38 s=10
